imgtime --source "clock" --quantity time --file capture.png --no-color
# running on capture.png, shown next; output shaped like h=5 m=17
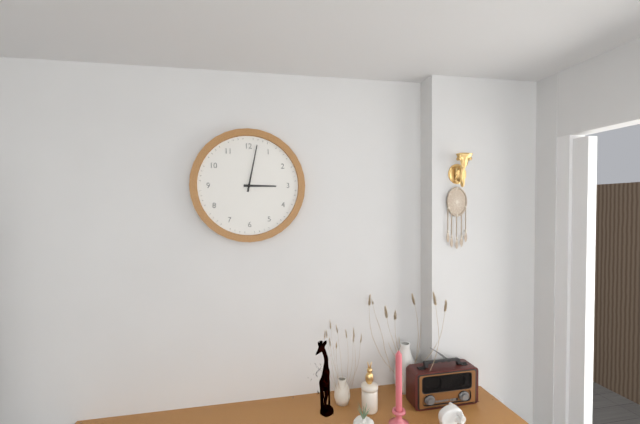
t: h=3 m=2
